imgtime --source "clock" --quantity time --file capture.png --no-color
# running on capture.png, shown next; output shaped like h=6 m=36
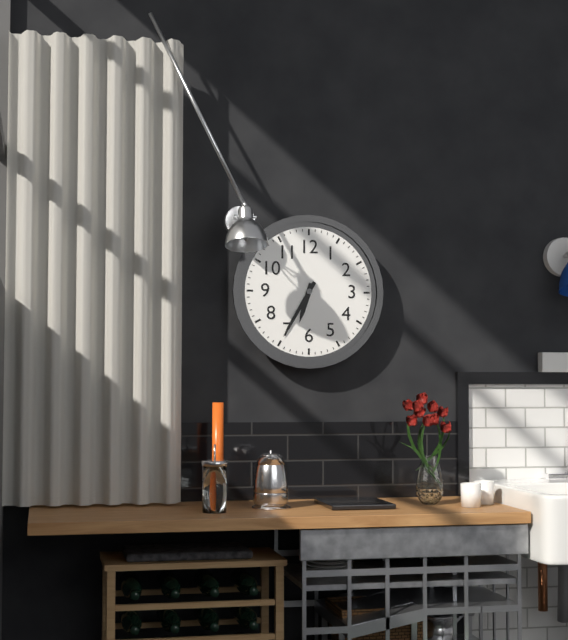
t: h=6 m=35
